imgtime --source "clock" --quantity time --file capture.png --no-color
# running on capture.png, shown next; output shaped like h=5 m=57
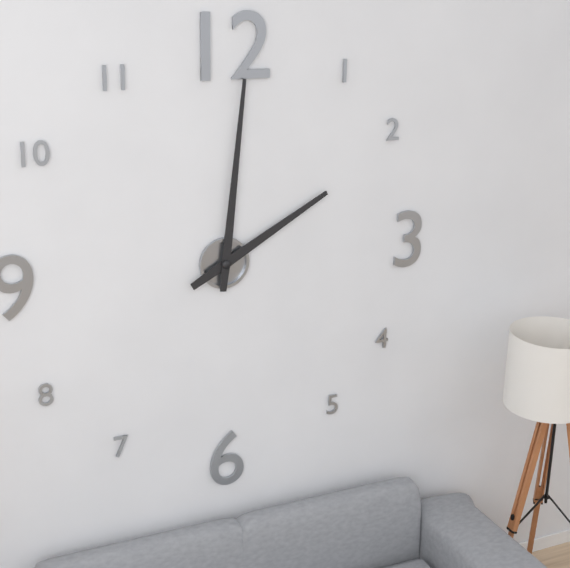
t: h=2 m=1
